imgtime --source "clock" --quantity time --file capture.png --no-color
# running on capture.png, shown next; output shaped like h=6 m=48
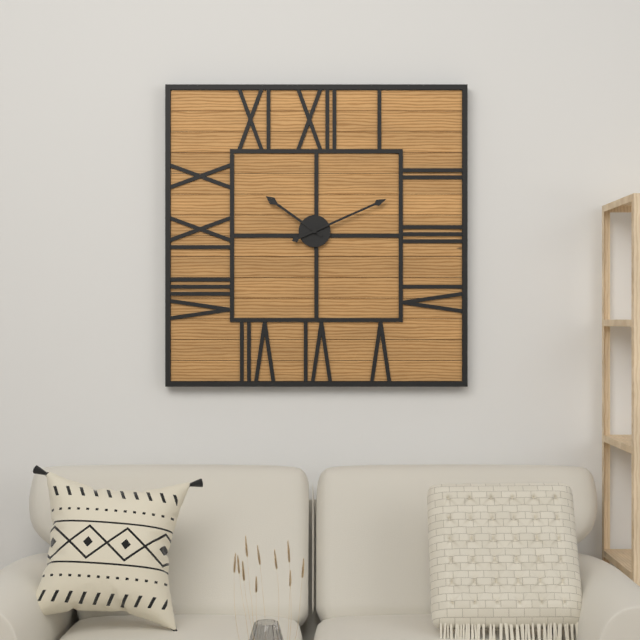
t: h=10 m=11
